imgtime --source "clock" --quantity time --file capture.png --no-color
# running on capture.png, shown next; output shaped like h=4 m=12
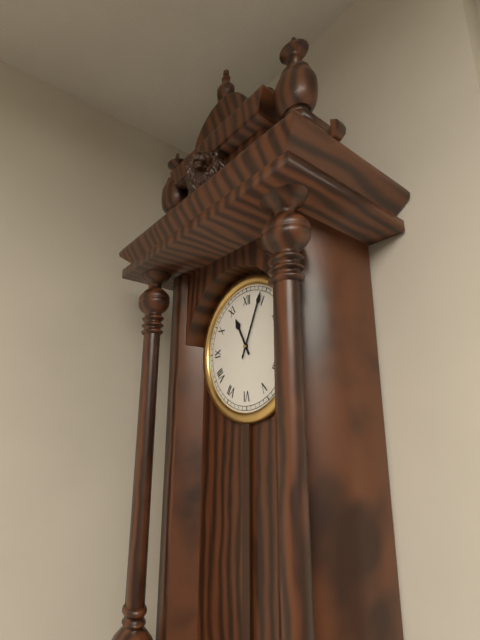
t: h=11 m=4
